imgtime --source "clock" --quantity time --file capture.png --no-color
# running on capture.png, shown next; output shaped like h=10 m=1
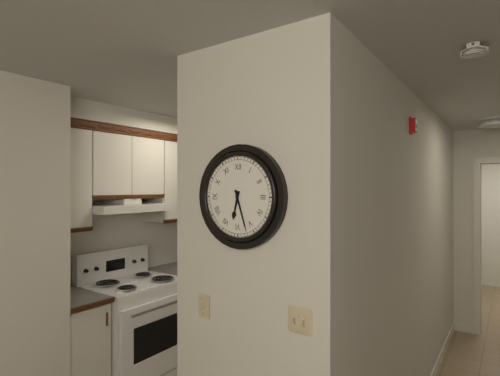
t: h=6 m=27
